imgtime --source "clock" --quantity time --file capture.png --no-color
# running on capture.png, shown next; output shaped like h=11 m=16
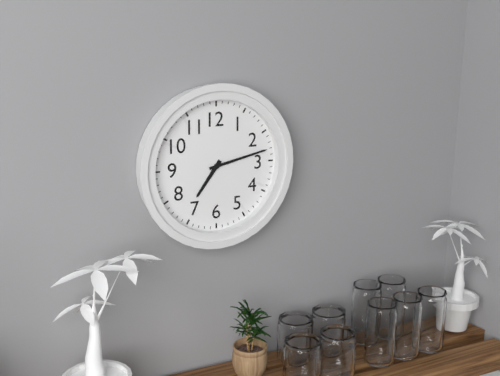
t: h=7 m=13
